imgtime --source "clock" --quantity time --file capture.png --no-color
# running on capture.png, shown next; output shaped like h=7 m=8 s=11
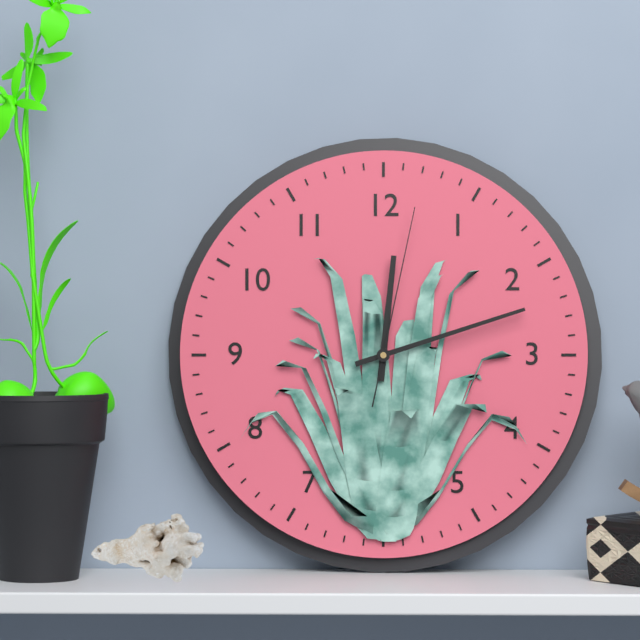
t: h=12 m=12 s=2
